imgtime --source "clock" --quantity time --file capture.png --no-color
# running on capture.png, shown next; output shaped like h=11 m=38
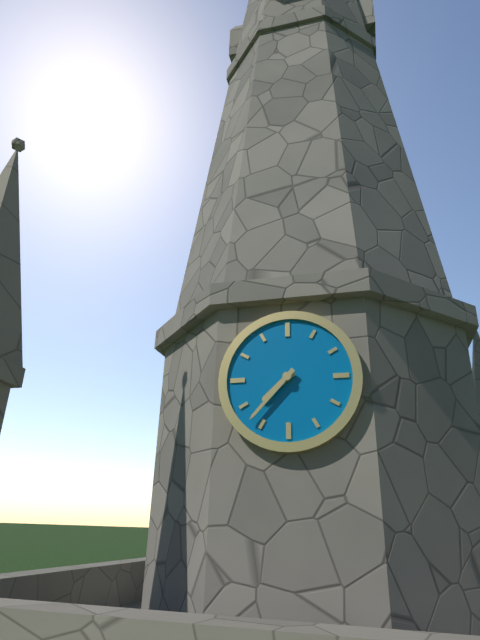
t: h=7 m=37
